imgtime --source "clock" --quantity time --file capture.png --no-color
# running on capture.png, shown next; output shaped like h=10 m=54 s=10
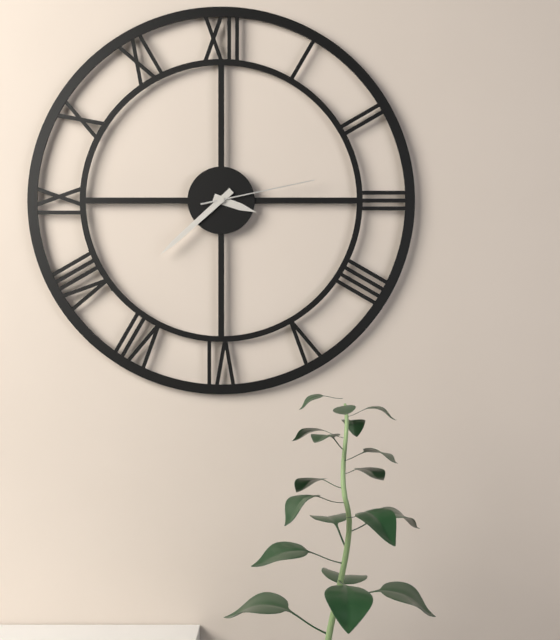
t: h=3 m=38 s=13
